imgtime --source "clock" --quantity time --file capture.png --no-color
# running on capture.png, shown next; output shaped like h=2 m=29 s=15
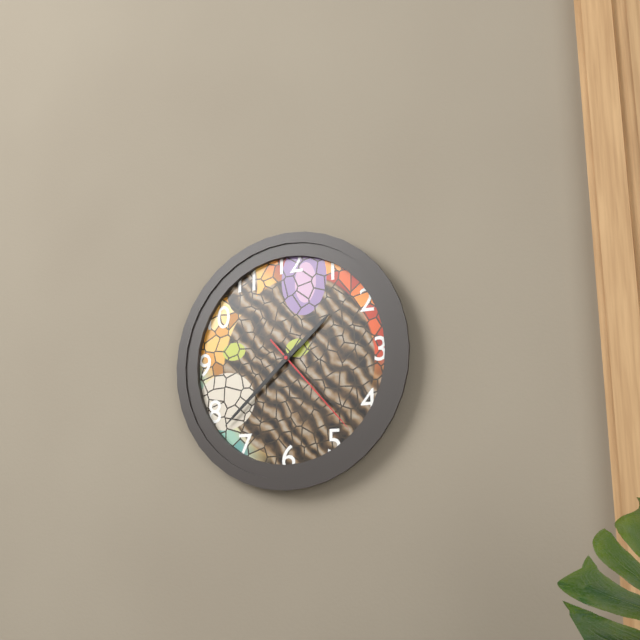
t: h=1 m=38 s=23
